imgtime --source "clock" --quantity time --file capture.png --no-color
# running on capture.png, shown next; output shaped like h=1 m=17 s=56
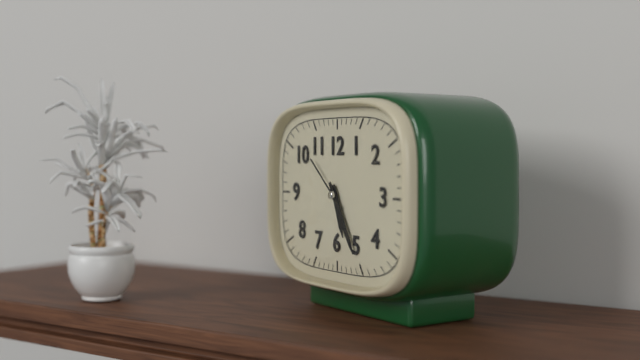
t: h=5 m=25 s=52
